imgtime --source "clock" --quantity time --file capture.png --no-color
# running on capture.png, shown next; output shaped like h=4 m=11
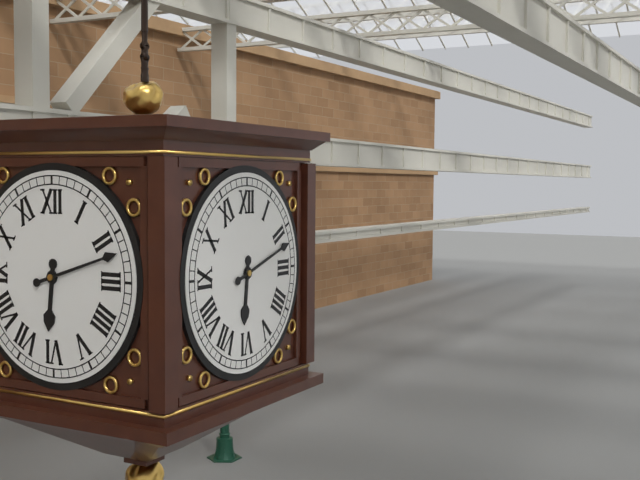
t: h=6 m=12
